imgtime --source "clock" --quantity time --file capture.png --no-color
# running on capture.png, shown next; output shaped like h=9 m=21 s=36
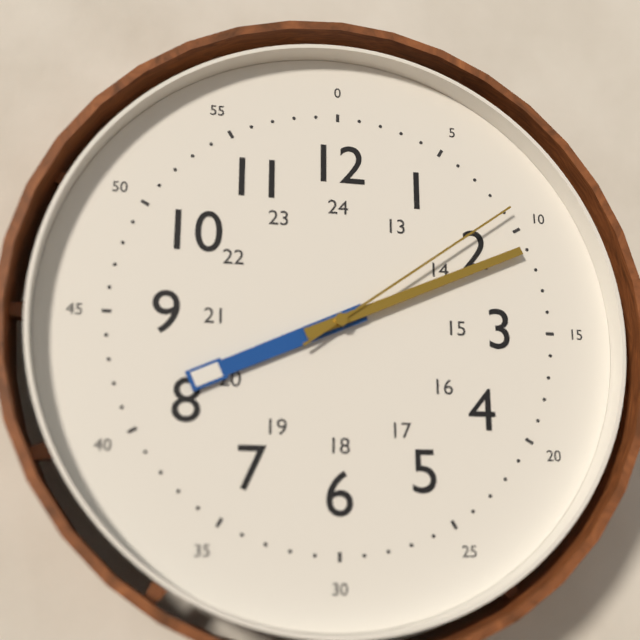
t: h=8 m=11 s=9
